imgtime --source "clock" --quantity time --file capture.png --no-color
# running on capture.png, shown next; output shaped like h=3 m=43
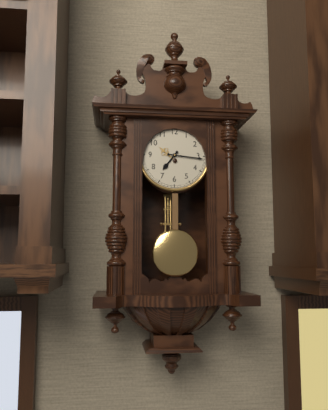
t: h=7 m=16
